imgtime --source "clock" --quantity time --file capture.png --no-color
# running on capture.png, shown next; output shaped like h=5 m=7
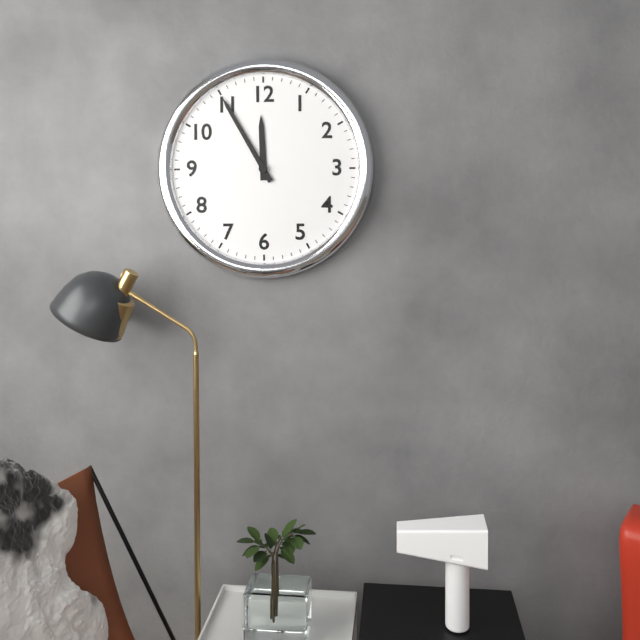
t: h=11 m=55
